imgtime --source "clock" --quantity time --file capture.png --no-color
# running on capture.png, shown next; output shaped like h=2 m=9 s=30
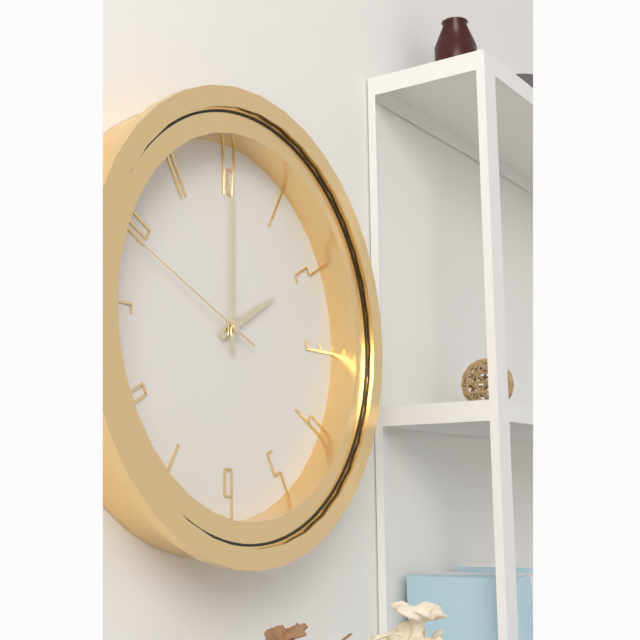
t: h=2 m=0 s=49
